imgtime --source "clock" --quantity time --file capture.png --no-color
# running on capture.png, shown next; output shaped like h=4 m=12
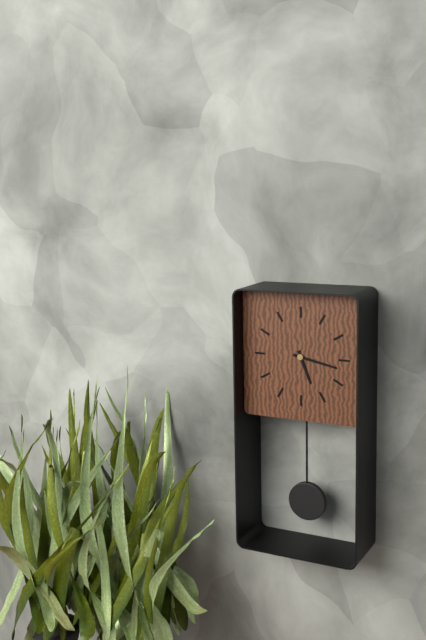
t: h=5 m=17
